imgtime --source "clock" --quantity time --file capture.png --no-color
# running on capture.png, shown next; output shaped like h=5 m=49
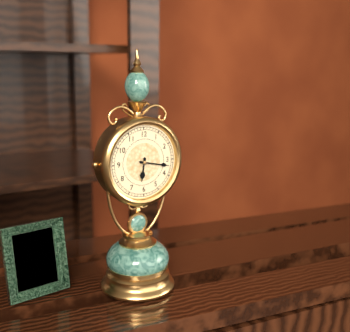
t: h=6 m=17
